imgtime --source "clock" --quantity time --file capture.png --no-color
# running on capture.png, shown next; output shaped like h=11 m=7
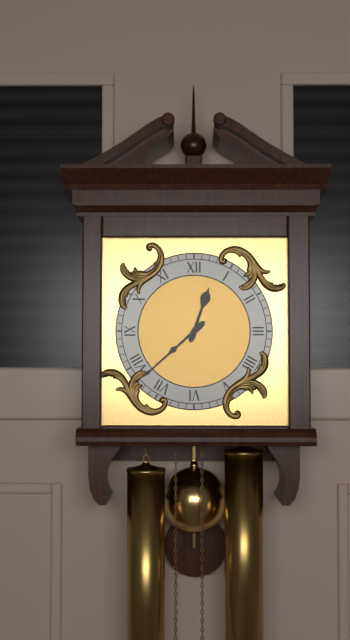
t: h=12 m=38
